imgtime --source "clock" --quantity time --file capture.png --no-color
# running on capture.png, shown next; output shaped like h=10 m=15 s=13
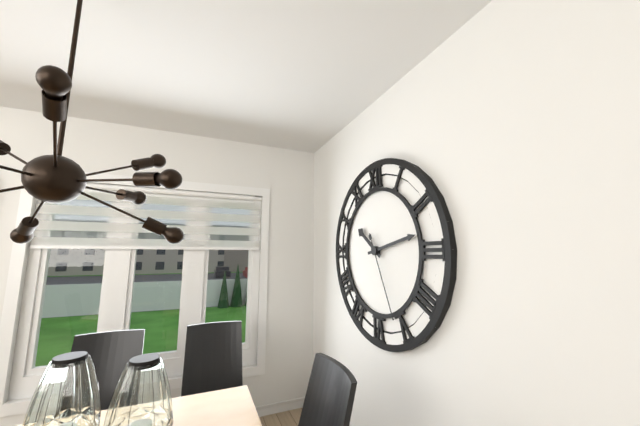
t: h=10 m=13 s=26
